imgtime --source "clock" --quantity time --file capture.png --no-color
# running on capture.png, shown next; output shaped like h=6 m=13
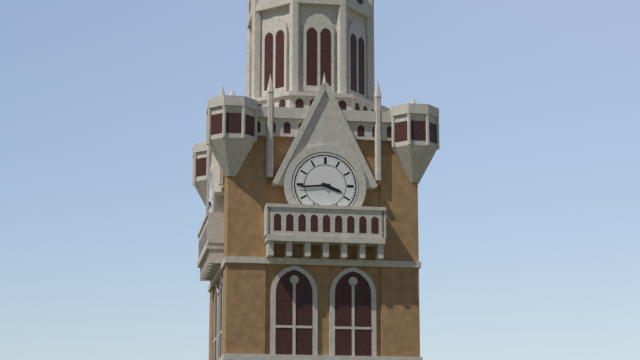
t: h=3 m=44
